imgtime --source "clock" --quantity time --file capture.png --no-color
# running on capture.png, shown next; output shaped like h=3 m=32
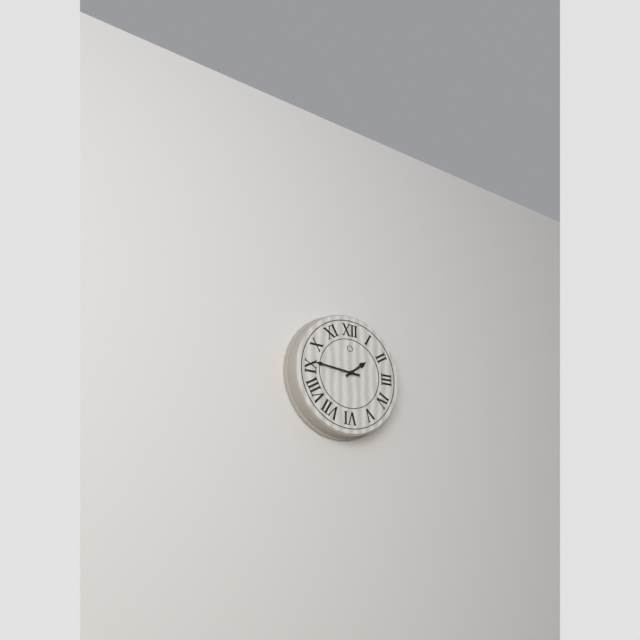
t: h=1 m=46
